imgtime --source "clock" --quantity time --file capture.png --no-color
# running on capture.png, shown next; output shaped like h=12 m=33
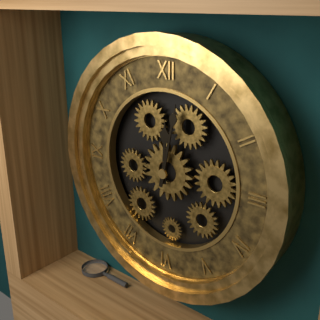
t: h=12 m=2
